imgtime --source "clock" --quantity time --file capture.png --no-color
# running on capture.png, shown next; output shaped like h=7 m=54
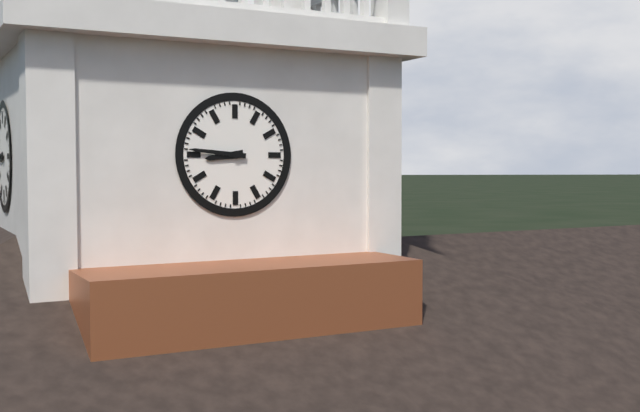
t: h=8 m=46
